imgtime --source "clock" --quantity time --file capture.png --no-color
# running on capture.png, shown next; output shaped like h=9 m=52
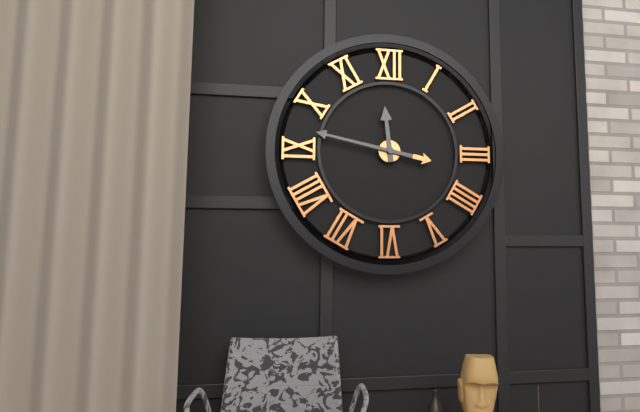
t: h=11 m=47
